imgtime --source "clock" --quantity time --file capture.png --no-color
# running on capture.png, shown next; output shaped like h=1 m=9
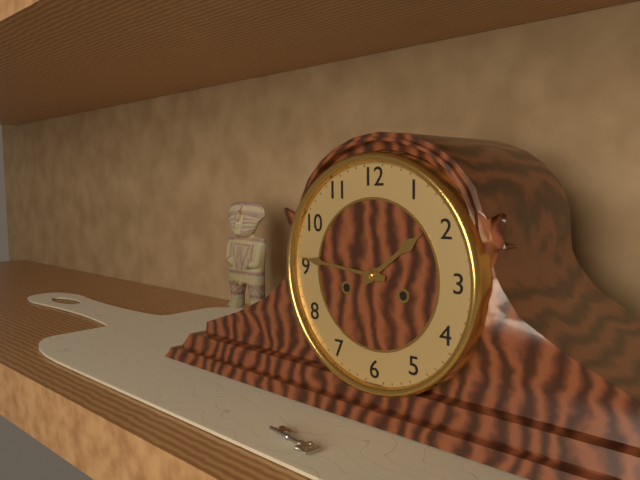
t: h=1 m=46
